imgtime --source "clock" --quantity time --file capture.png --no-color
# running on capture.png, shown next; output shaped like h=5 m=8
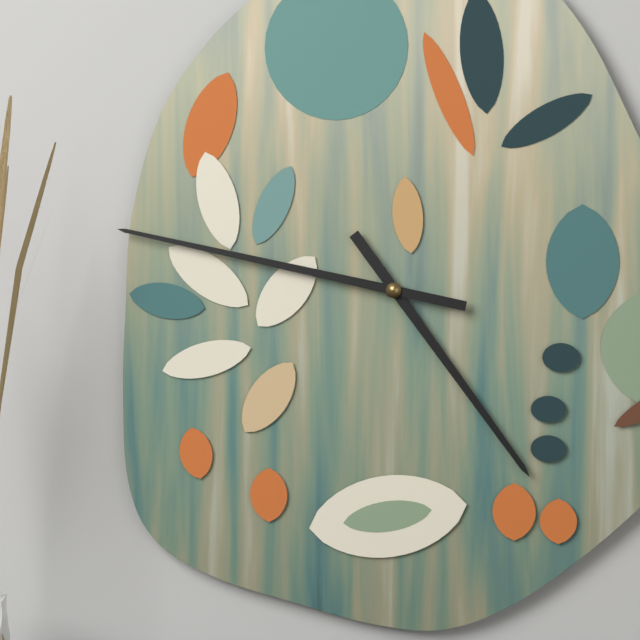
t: h=4 m=47
